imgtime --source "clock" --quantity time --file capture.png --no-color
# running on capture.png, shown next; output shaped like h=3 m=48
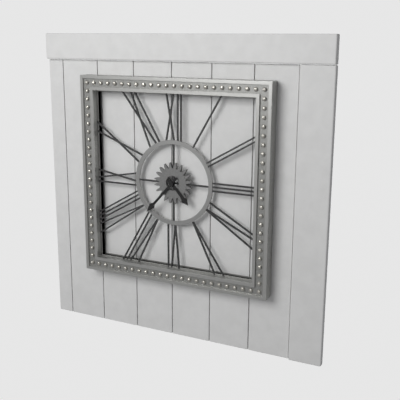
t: h=4 m=37
